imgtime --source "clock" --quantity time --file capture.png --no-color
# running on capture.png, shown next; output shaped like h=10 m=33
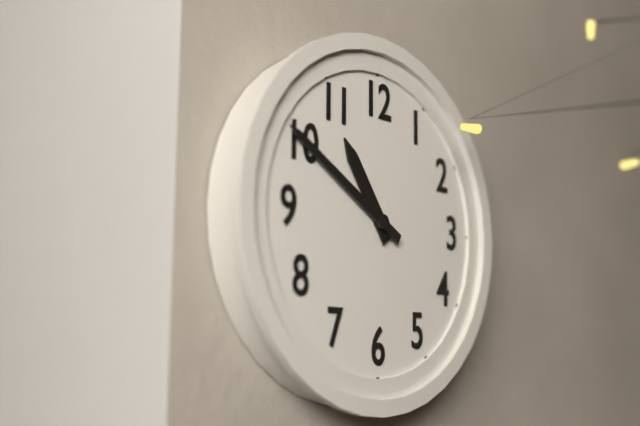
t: h=10 m=50
